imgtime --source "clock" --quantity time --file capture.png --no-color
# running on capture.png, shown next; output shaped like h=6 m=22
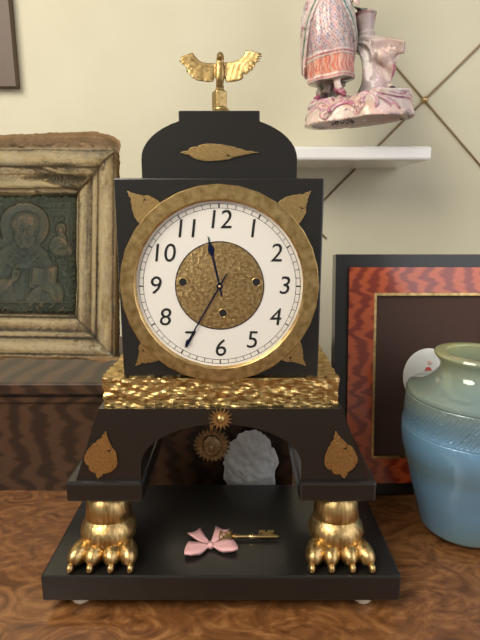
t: h=11 m=35
